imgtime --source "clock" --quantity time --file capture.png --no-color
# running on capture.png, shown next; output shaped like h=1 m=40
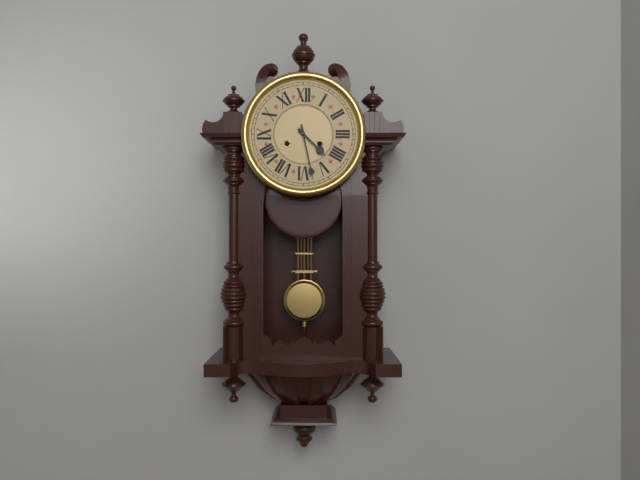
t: h=4 m=28
